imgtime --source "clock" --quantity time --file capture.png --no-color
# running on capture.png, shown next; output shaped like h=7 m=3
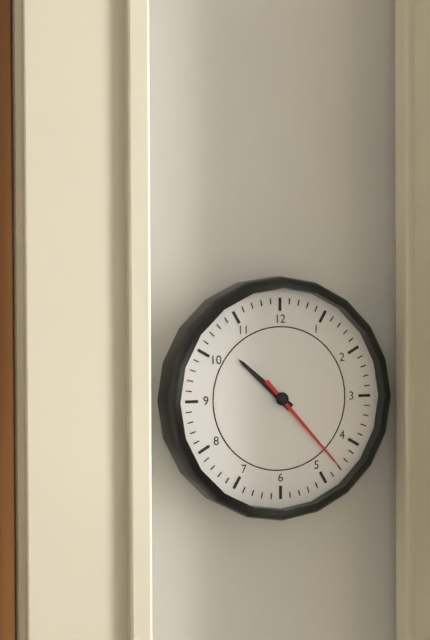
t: h=10 m=23
